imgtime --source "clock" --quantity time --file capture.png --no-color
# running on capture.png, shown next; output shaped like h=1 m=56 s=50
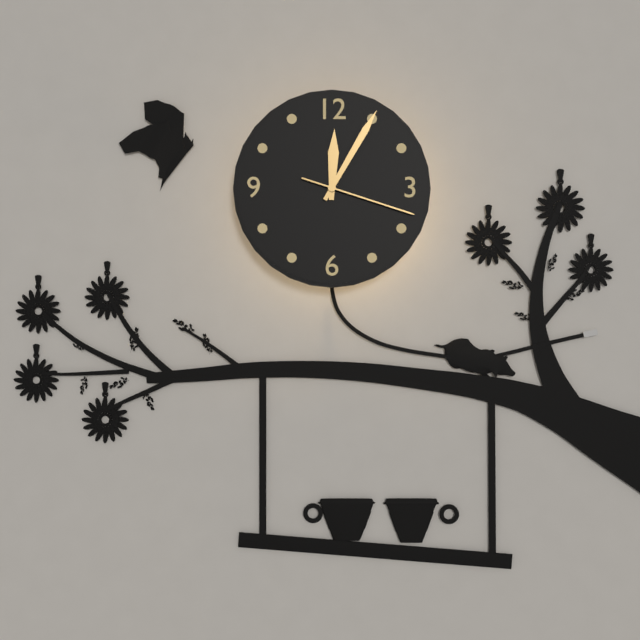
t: h=12 m=5 s=18
